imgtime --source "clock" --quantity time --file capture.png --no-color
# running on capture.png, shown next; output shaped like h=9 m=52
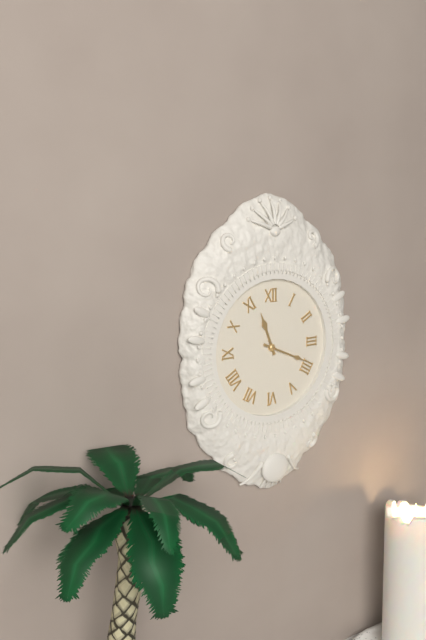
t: h=11 m=19
